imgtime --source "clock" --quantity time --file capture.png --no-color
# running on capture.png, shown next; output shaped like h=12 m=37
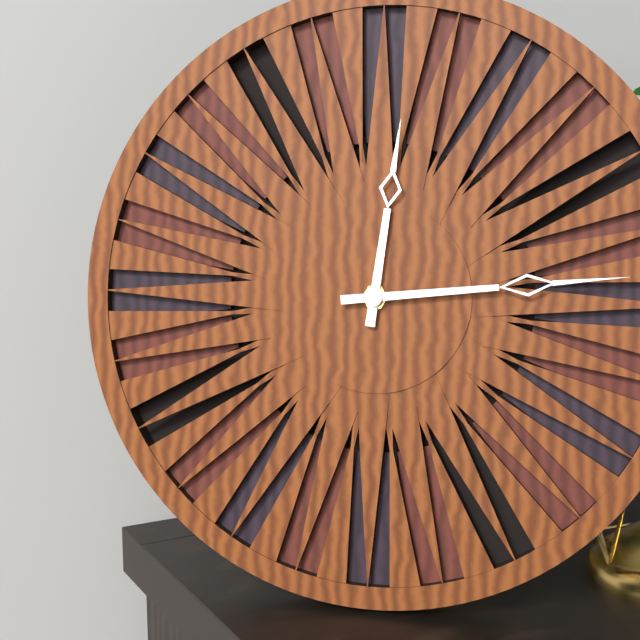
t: h=12 m=14
